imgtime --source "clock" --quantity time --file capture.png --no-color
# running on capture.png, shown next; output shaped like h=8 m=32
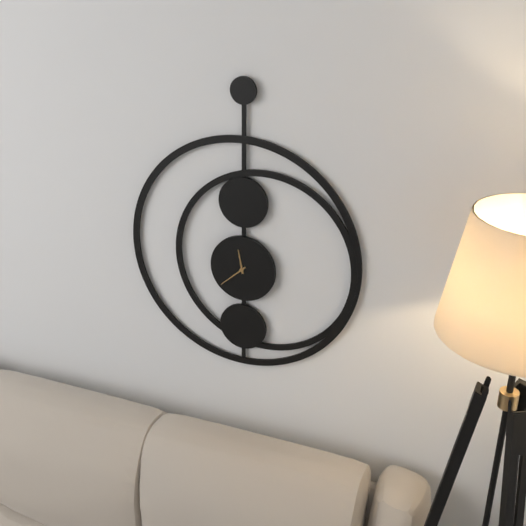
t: h=11 m=38
